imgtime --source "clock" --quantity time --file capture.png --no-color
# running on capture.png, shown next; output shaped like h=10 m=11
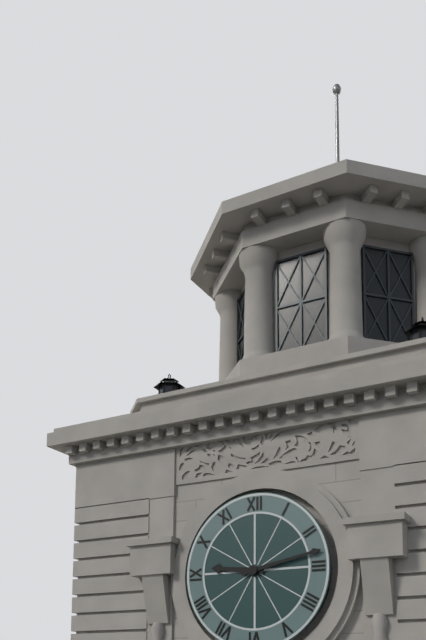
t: h=9 m=13
